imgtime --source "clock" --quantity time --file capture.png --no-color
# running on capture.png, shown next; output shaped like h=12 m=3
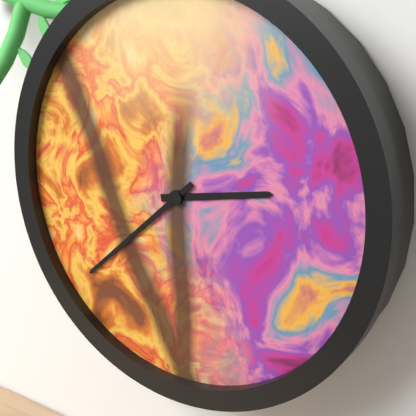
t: h=2 m=38
